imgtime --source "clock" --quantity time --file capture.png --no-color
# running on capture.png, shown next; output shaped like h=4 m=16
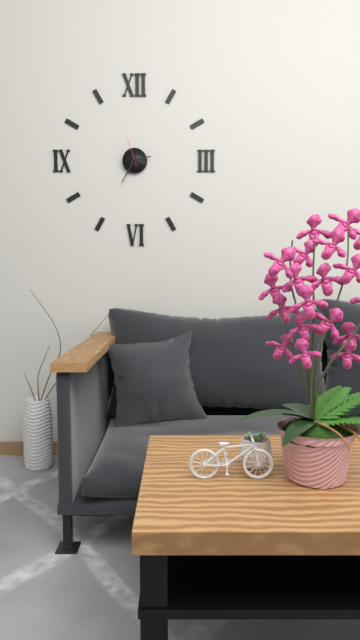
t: h=2 m=35
